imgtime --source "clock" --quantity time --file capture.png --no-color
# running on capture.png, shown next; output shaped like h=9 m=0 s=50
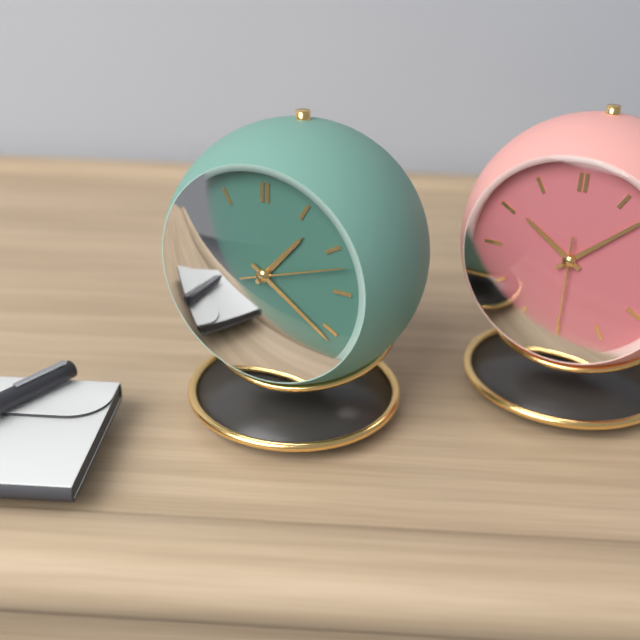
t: h=1 m=21 s=12
